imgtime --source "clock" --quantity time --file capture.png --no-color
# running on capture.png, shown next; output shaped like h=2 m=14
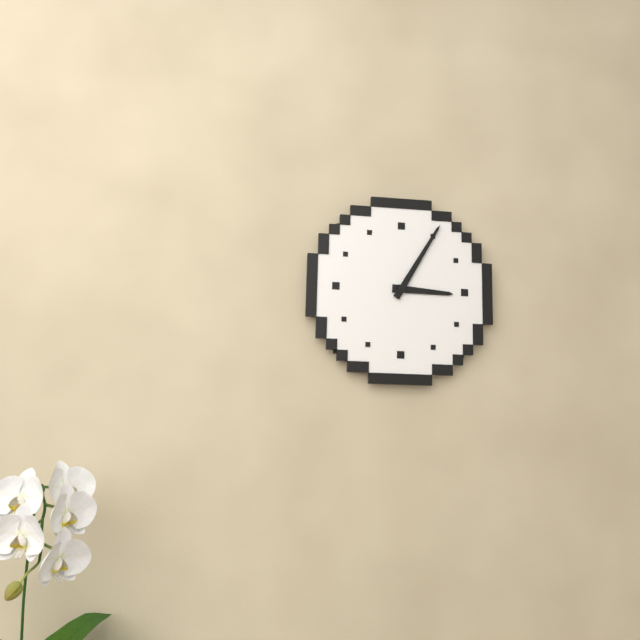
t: h=3 m=5
